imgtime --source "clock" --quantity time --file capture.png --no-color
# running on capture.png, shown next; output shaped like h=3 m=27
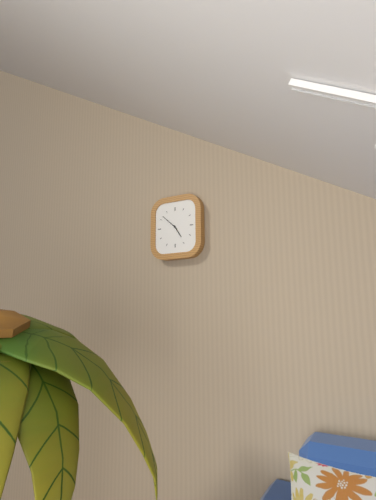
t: h=4 m=52
